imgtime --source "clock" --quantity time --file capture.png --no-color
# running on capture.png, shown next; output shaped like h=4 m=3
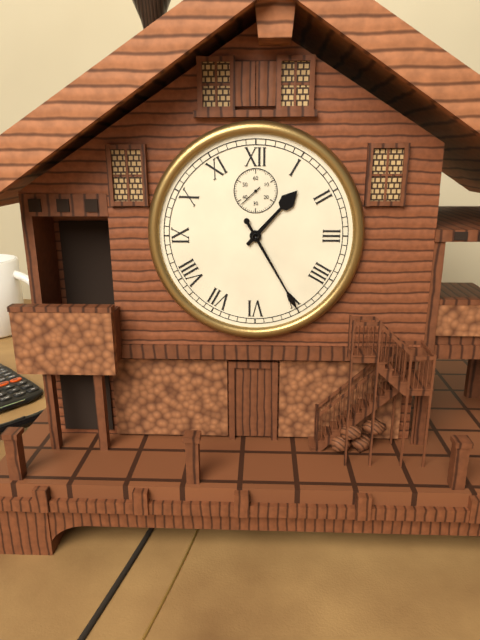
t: h=1 m=25
